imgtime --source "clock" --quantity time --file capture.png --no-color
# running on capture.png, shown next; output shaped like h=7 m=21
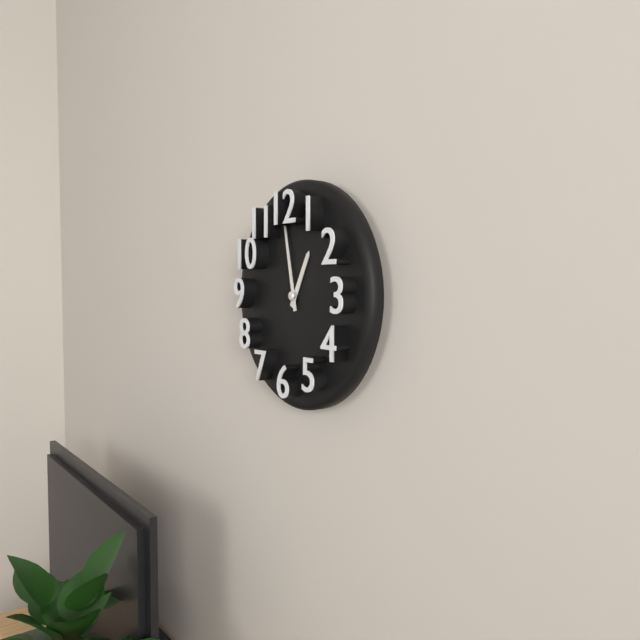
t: h=12 m=58
